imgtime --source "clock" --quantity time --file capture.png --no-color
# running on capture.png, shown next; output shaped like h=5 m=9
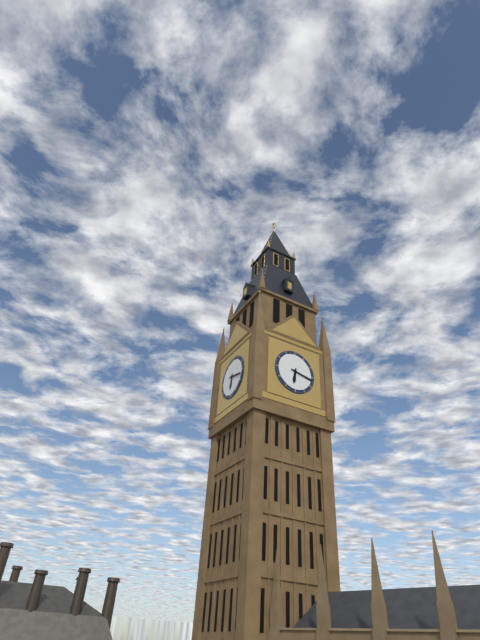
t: h=6 m=17
